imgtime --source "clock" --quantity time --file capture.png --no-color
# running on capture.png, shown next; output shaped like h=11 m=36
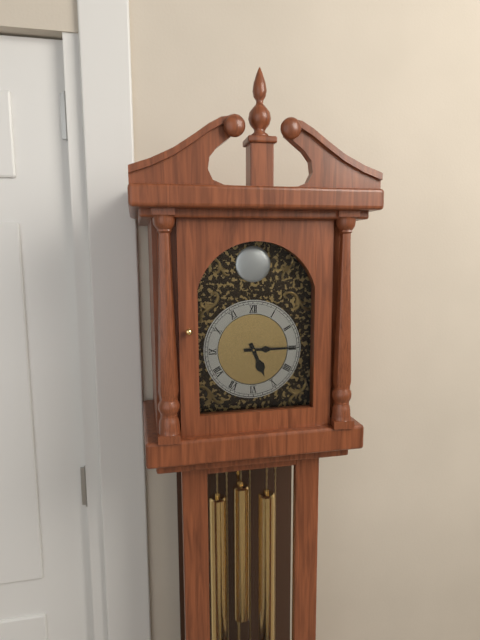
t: h=5 m=15
